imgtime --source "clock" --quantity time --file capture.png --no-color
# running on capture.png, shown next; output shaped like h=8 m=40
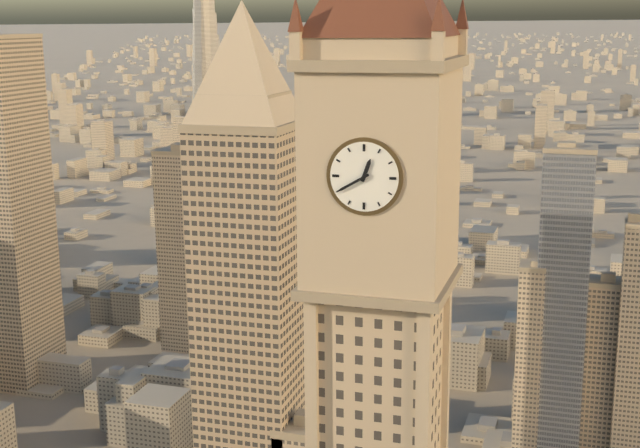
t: h=12 m=40
